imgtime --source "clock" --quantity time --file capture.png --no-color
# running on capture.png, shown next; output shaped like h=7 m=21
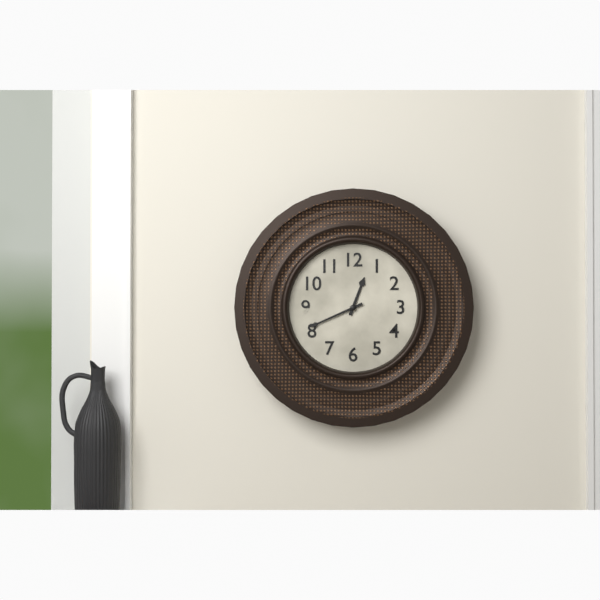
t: h=12 m=41
